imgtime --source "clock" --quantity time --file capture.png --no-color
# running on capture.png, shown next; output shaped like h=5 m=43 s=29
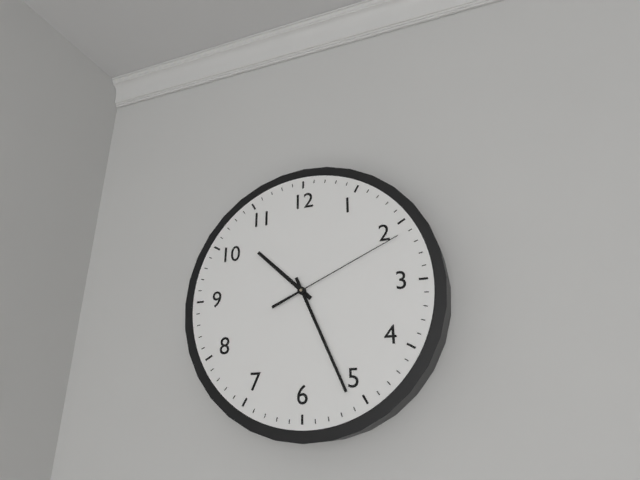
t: h=10 m=26 s=11
